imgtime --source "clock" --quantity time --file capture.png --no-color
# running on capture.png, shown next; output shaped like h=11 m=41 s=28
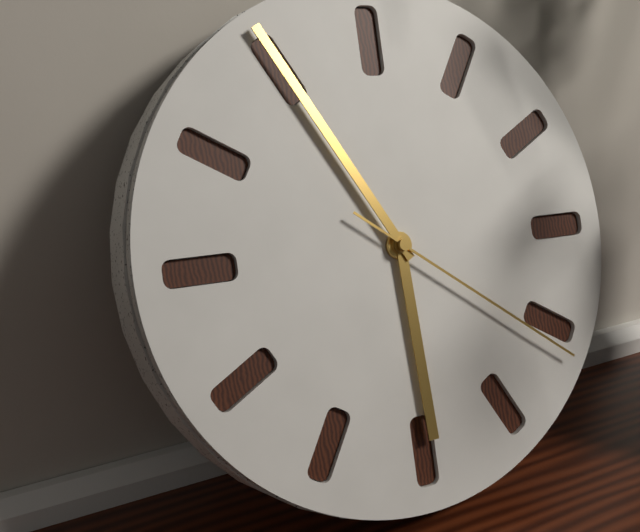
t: h=5 m=55 s=21
